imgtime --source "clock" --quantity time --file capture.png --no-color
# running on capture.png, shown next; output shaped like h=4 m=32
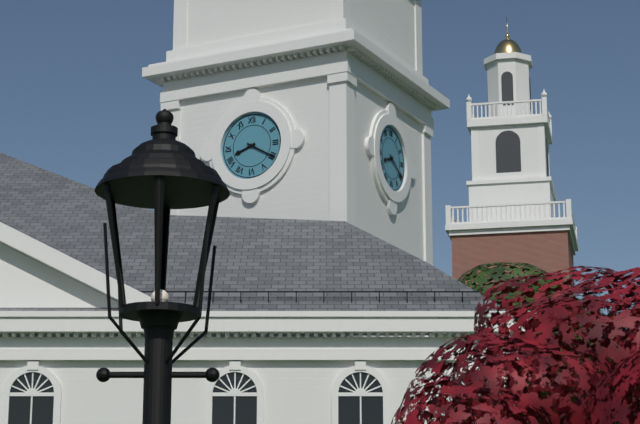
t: h=8 m=20
